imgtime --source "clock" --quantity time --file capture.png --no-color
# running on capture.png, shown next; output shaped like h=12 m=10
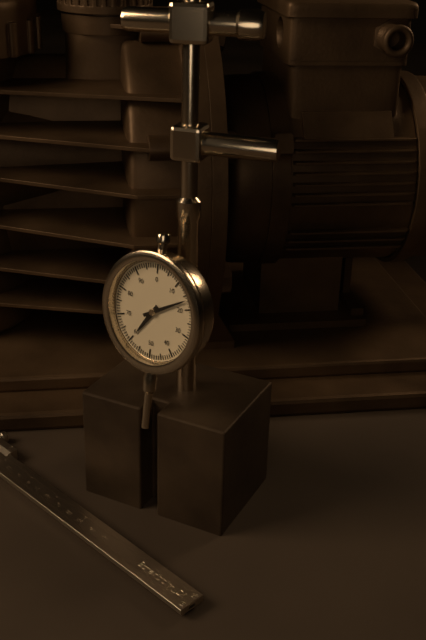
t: h=7 m=10
